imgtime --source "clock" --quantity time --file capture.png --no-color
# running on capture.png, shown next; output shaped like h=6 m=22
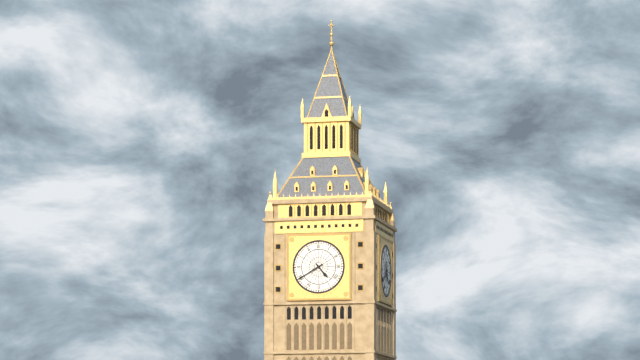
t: h=4 m=40
